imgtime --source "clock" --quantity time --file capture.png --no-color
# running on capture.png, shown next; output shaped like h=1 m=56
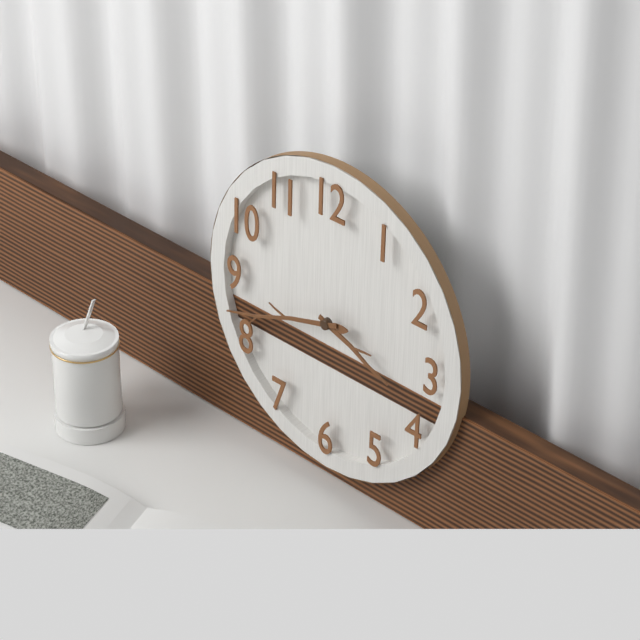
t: h=3 m=42
